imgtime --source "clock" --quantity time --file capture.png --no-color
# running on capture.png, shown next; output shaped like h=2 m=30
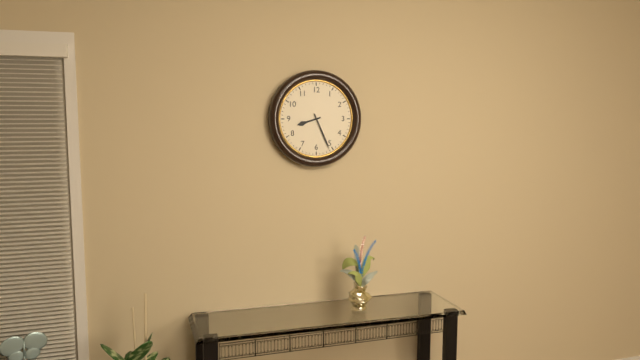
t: h=8 m=26
